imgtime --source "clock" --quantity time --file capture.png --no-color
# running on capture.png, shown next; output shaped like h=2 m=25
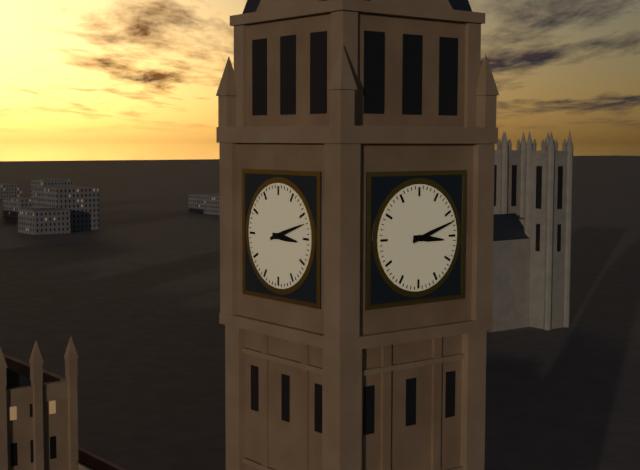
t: h=3 m=12
